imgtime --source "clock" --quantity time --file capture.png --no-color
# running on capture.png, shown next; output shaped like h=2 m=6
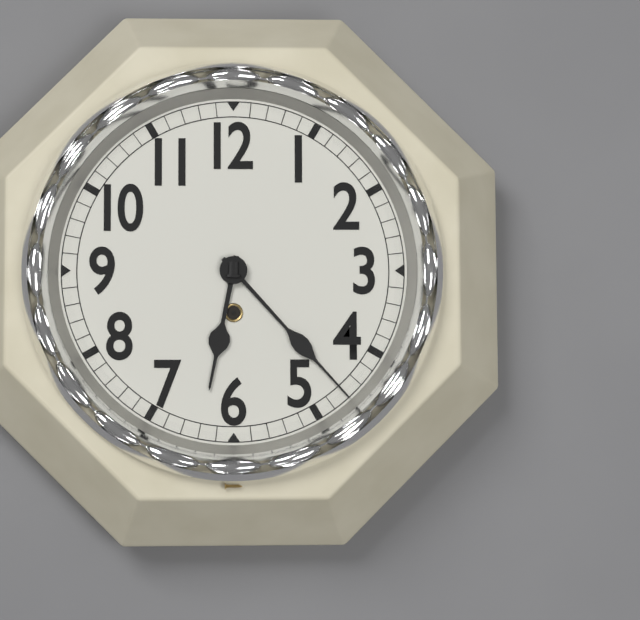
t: h=6 m=23
